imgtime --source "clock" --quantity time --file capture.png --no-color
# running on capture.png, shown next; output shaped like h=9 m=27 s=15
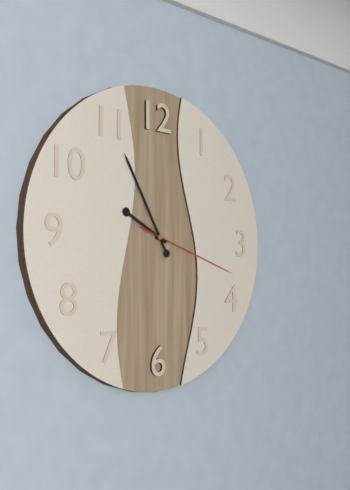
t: h=9 m=55 s=18
